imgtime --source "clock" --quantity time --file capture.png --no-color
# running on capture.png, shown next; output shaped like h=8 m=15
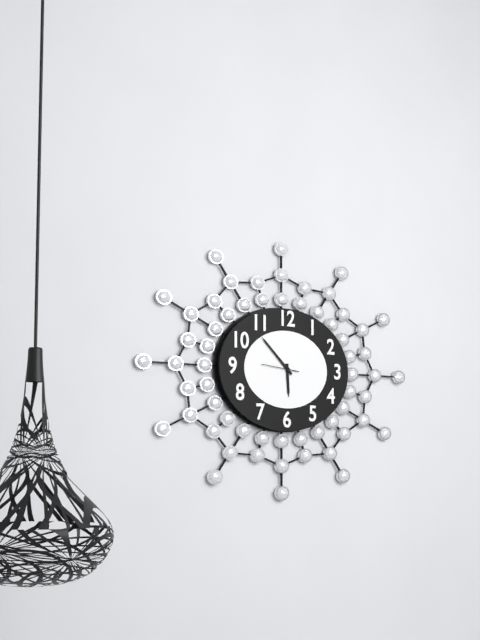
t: h=5 m=52
